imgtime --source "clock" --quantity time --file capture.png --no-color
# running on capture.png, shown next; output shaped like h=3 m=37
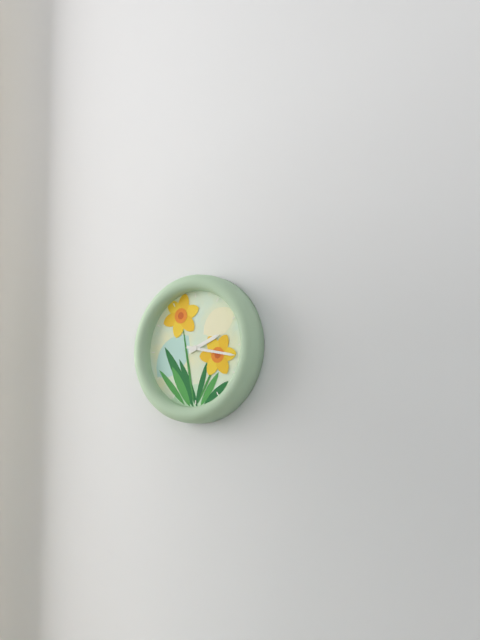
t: h=2 m=17
